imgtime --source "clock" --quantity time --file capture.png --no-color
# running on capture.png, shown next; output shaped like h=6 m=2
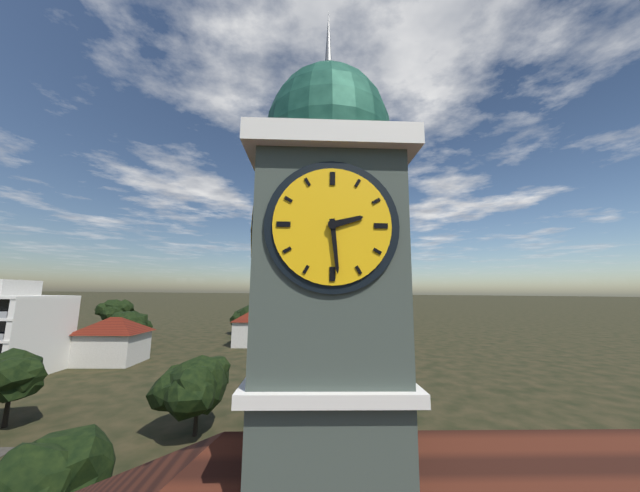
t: h=2 m=29
